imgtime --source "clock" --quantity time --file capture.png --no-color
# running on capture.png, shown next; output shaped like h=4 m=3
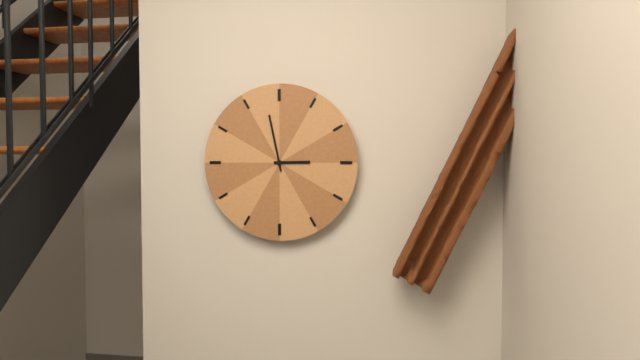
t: h=2 m=58
